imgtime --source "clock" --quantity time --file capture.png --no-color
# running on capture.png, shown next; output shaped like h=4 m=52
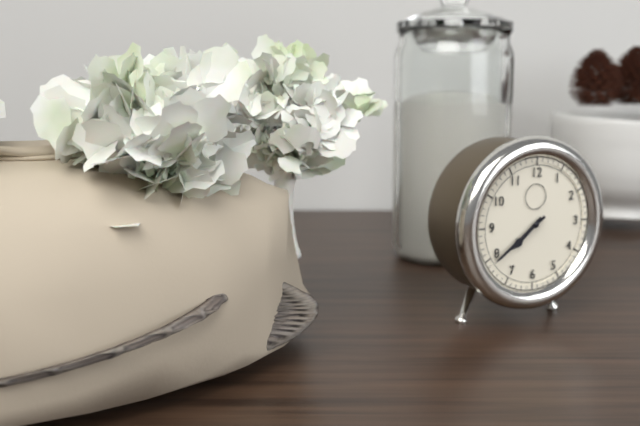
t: h=7 m=39
